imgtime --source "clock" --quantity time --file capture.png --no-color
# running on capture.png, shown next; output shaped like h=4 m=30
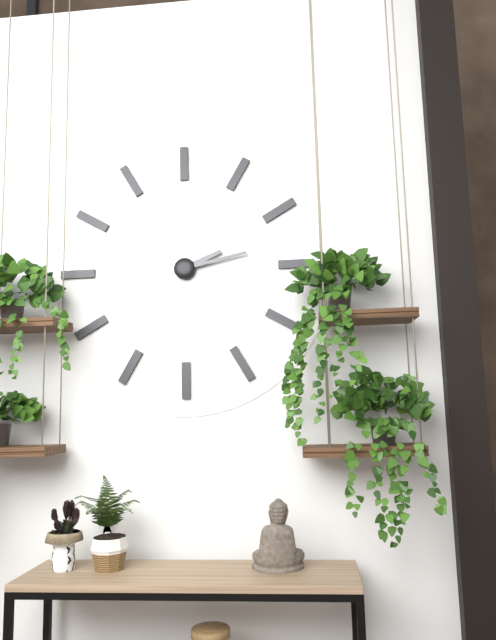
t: h=2 m=13
